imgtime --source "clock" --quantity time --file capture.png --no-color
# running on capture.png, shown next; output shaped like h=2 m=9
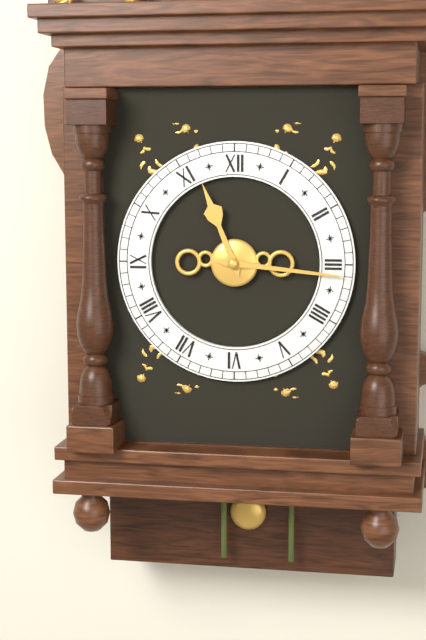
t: h=11 m=16
